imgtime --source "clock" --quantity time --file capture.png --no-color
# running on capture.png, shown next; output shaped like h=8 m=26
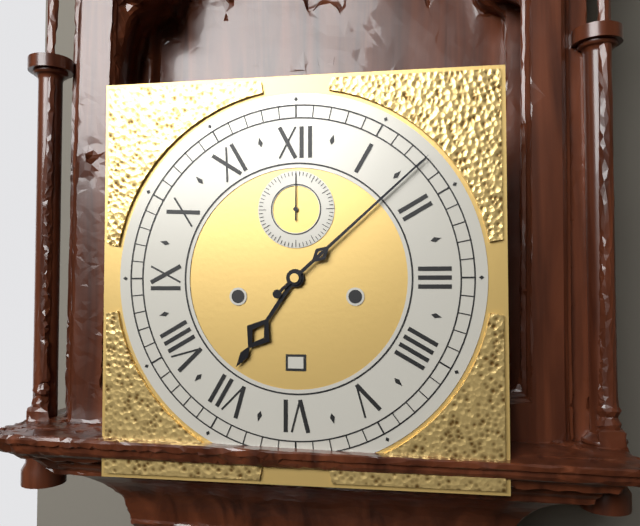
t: h=7 m=8
